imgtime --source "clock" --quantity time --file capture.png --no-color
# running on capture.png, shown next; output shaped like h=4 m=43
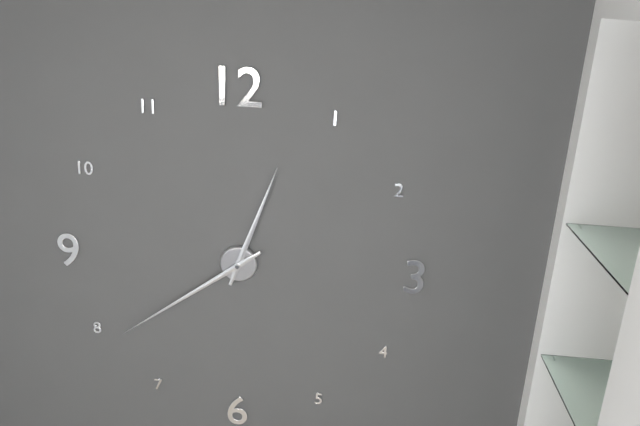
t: h=12 m=39
